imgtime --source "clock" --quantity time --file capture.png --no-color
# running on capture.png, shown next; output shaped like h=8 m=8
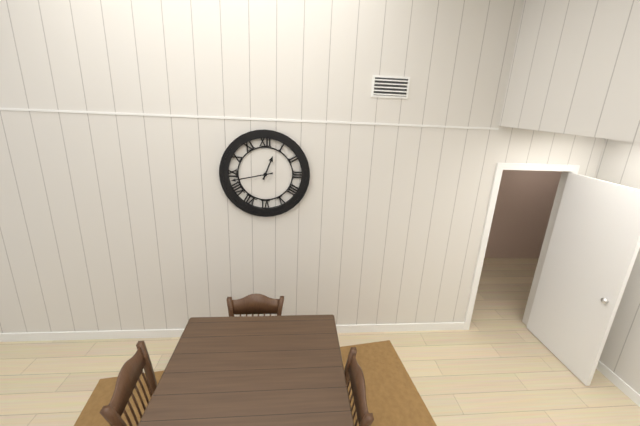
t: h=12 m=43
